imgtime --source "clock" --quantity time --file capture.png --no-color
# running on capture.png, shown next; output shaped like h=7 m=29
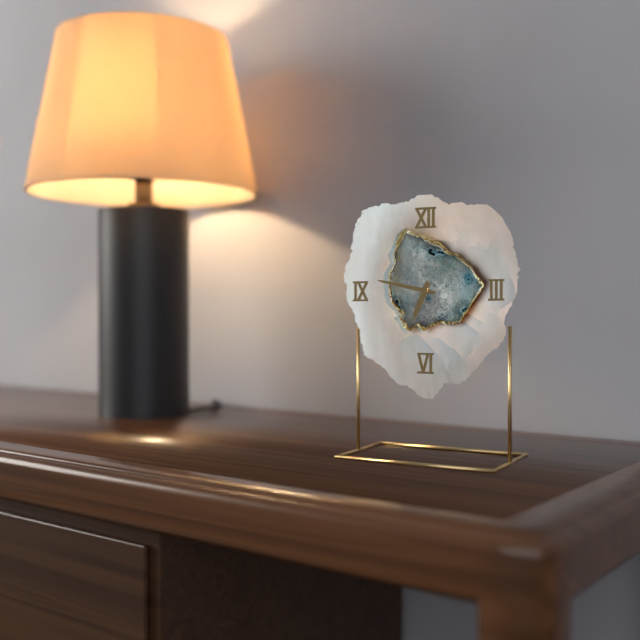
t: h=6 m=47
